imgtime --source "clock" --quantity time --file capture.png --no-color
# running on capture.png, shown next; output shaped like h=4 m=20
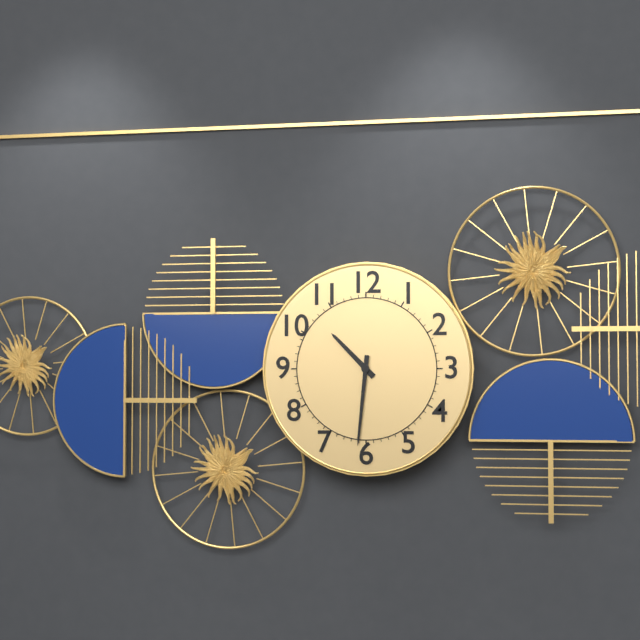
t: h=10 m=31
